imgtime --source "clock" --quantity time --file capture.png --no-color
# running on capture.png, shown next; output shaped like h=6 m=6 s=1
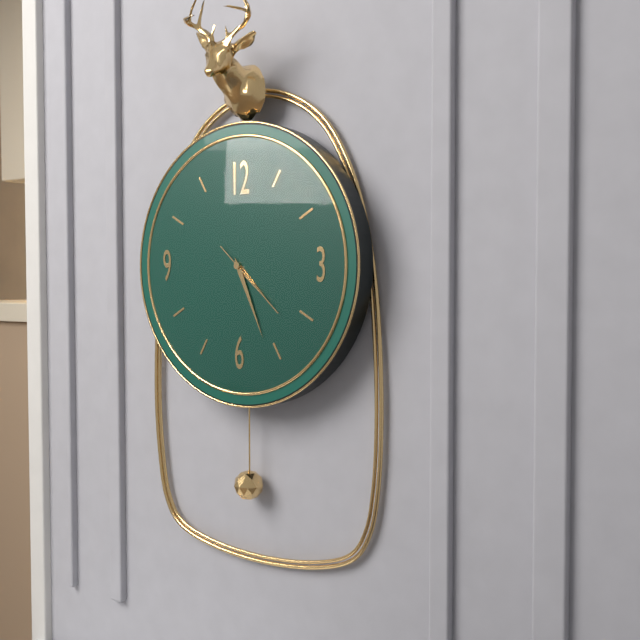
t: h=4 m=26 s=22
